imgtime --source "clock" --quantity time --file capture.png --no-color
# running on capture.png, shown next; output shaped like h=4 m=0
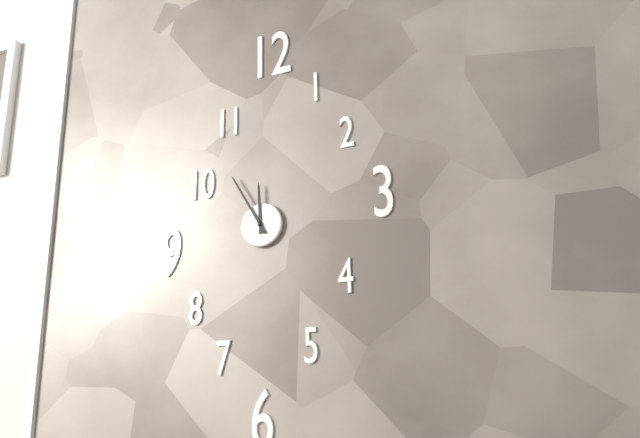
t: h=11 m=55
